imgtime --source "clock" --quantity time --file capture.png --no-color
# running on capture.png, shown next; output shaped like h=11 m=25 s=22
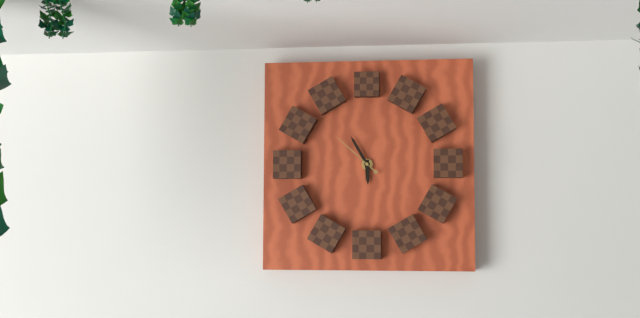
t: h=5 m=55 s=52
